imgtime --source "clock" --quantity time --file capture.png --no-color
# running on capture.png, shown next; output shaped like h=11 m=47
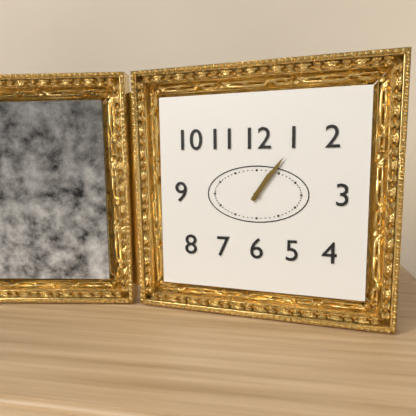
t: h=1 m=6
